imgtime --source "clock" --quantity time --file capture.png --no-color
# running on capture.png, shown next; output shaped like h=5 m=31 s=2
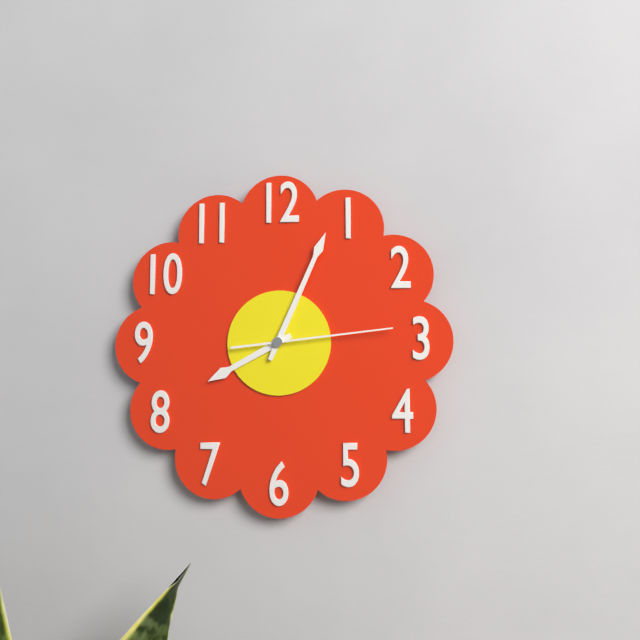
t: h=8 m=4 s=14
